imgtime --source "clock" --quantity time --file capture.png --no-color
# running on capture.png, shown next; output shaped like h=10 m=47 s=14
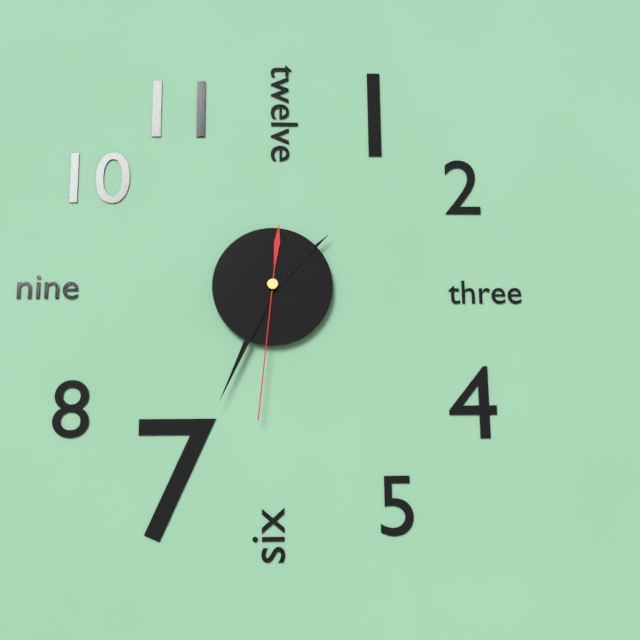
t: h=1 m=34 s=31
